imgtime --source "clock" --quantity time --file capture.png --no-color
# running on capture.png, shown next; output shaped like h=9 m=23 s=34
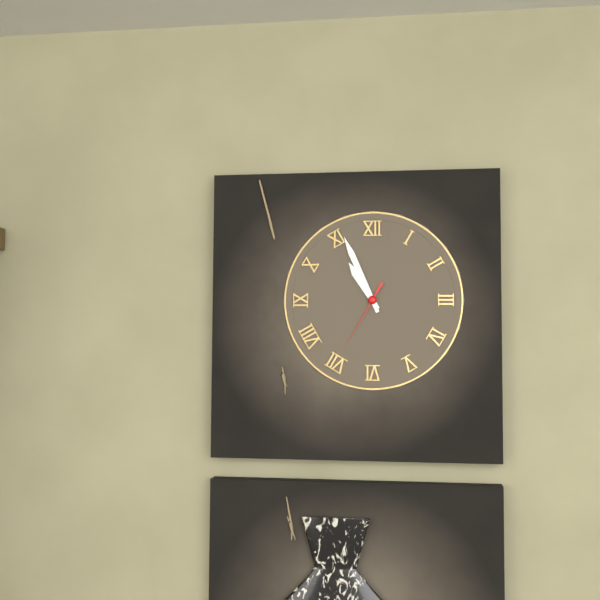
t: h=10 m=56 s=35
